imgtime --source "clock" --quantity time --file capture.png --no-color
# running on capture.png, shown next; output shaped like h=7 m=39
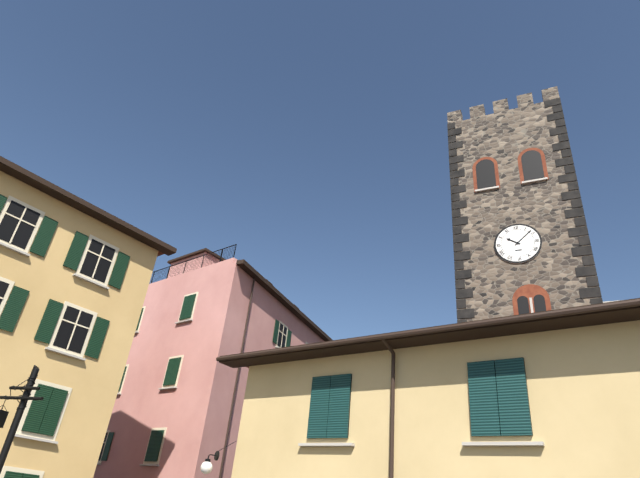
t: h=10 m=8
